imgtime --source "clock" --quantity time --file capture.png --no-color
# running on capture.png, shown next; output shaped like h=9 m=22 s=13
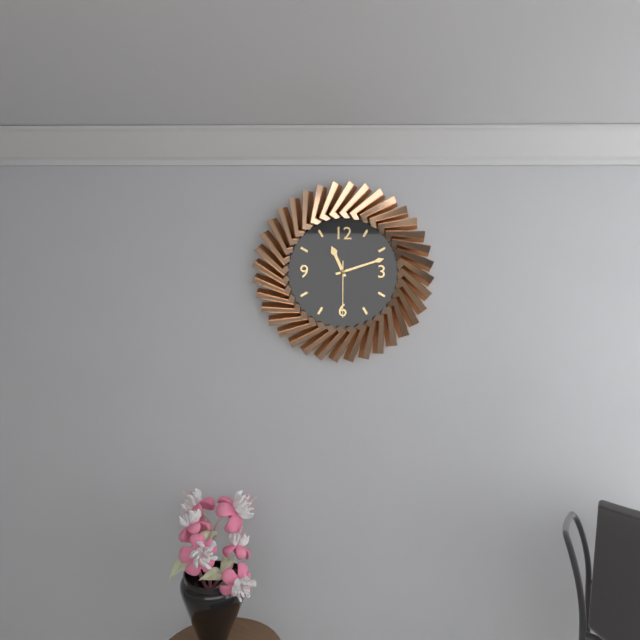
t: h=11 m=12 s=30
